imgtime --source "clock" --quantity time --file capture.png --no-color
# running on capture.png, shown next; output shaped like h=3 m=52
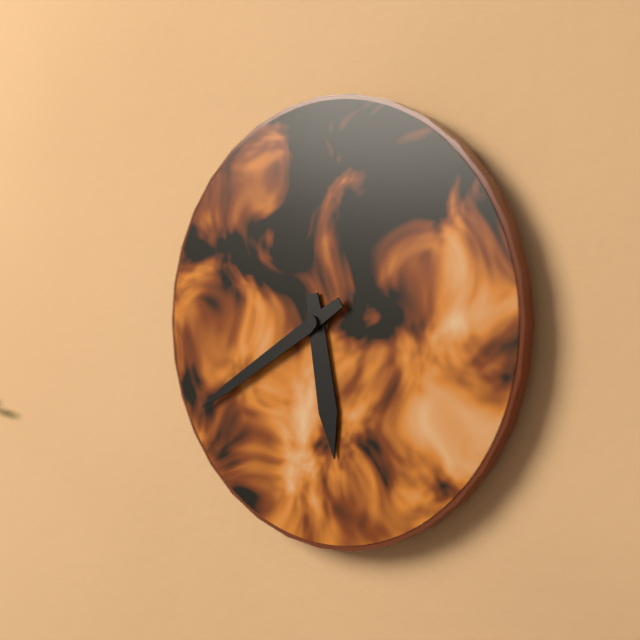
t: h=5 m=40
